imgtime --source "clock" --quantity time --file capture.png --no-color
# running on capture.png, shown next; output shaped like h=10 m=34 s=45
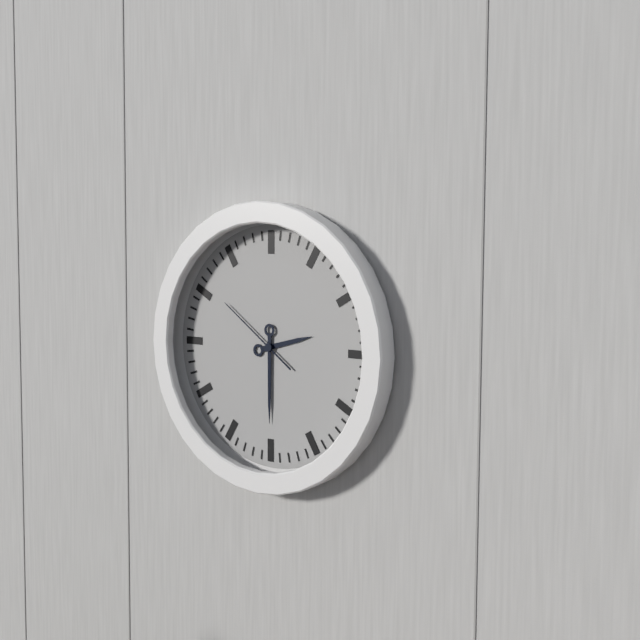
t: h=2 m=30 s=51
